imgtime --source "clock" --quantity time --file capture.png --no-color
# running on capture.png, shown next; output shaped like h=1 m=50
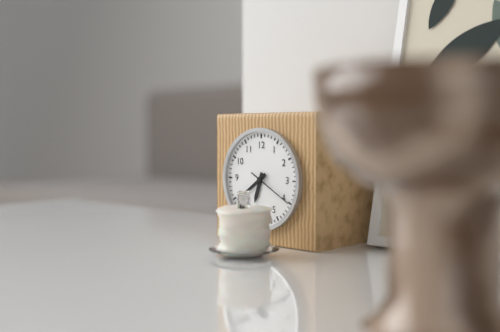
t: h=6 m=39
